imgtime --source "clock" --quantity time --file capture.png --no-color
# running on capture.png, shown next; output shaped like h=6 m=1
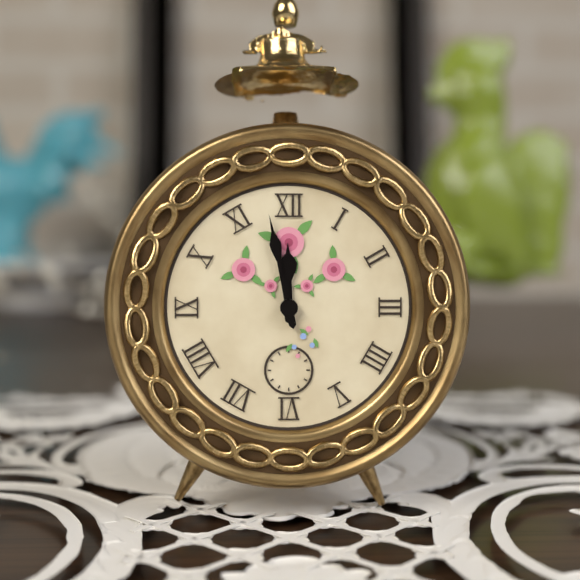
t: h=11 m=58
